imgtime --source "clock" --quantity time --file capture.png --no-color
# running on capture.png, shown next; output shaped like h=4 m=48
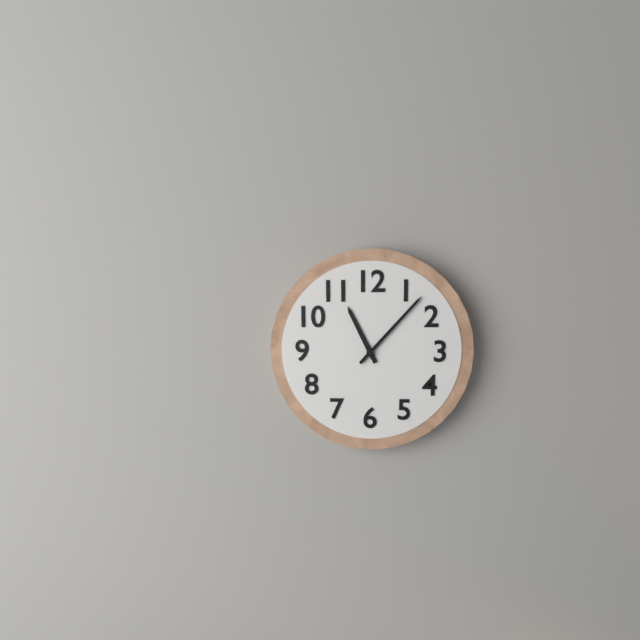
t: h=11 m=7
